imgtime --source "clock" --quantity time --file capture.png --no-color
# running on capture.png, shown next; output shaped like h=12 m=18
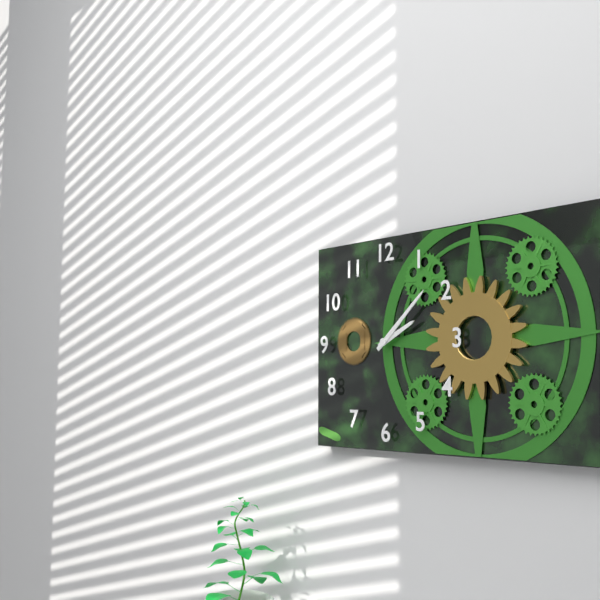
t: h=2 m=8
